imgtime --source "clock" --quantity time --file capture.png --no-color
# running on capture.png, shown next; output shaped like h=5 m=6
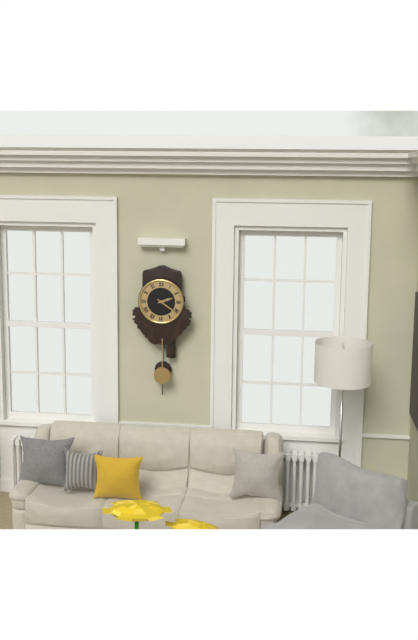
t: h=2 m=21
